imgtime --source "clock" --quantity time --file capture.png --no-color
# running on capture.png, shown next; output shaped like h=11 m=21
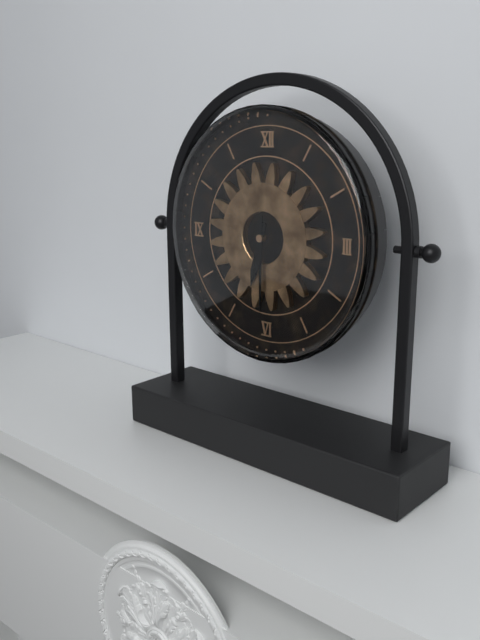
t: h=6 m=30
